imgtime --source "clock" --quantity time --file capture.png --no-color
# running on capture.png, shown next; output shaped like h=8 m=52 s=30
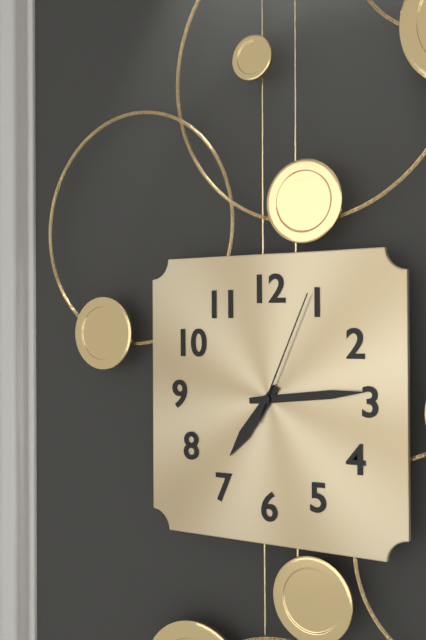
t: h=7 m=14 s=4
